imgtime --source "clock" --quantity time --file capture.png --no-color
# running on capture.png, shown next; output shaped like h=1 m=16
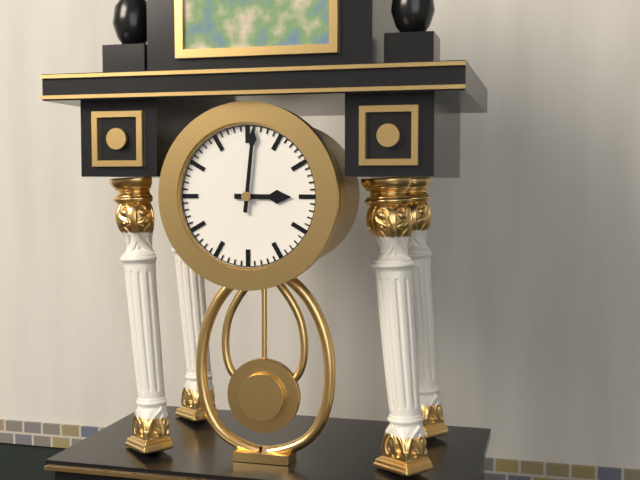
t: h=3 m=1
